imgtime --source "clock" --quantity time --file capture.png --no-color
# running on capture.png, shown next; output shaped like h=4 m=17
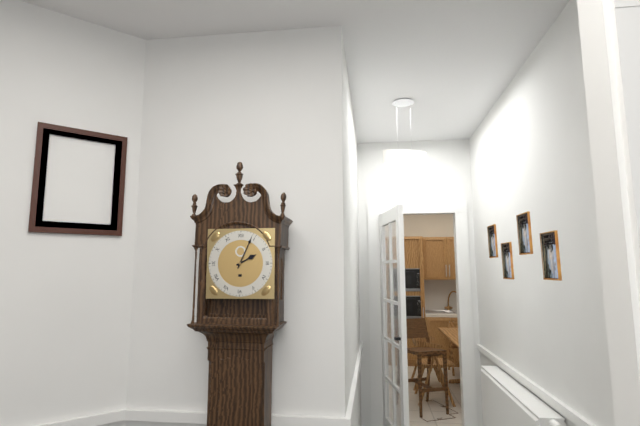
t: h=2 m=4
